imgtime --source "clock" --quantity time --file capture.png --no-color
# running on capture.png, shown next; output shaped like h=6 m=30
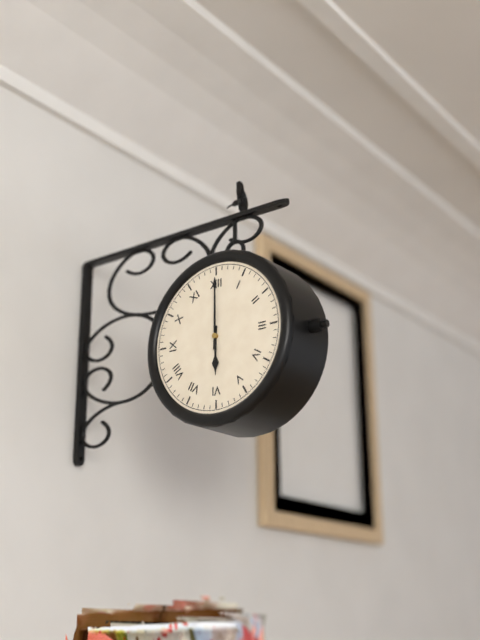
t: h=6 m=0
